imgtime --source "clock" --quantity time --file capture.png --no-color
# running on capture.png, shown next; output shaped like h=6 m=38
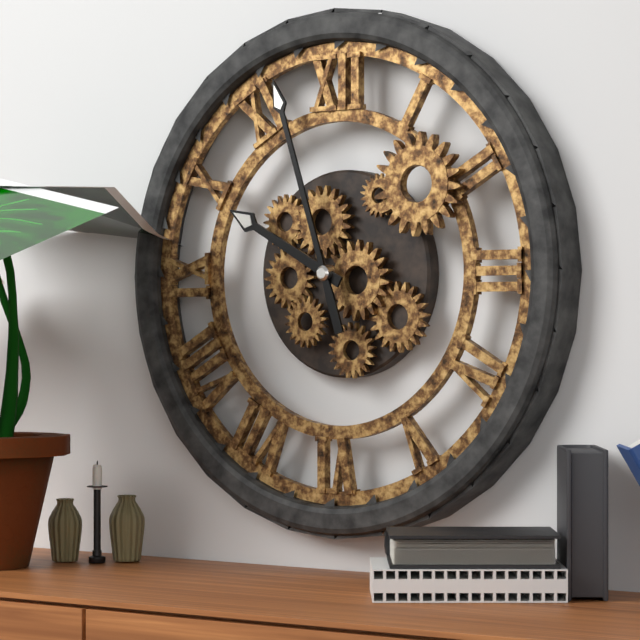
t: h=9 m=57
